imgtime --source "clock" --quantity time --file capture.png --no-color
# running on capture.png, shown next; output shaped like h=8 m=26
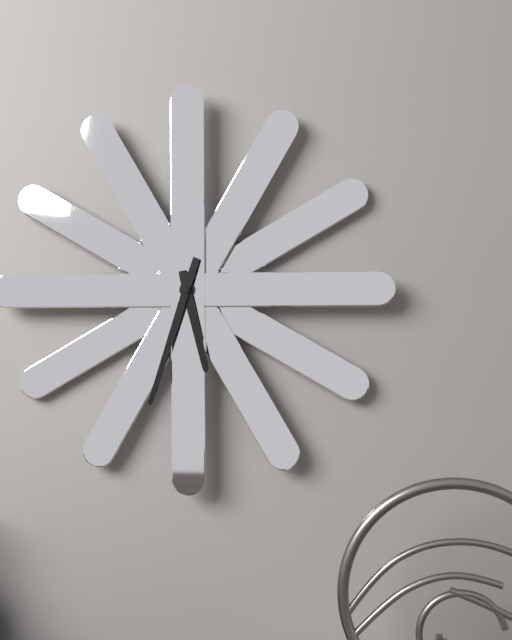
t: h=5 m=33
